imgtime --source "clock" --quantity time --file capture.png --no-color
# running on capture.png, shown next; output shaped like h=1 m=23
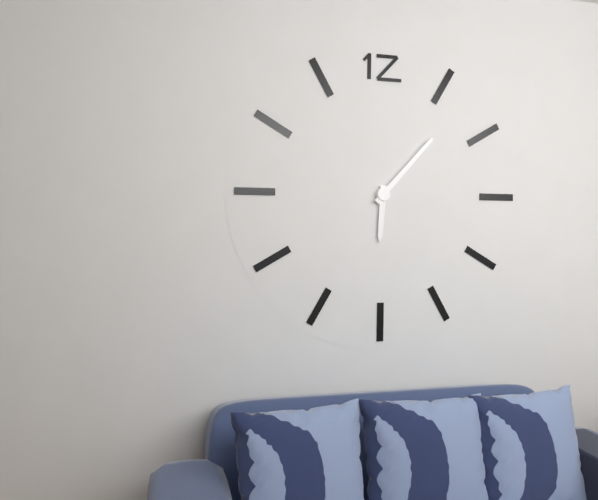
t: h=6 m=7
